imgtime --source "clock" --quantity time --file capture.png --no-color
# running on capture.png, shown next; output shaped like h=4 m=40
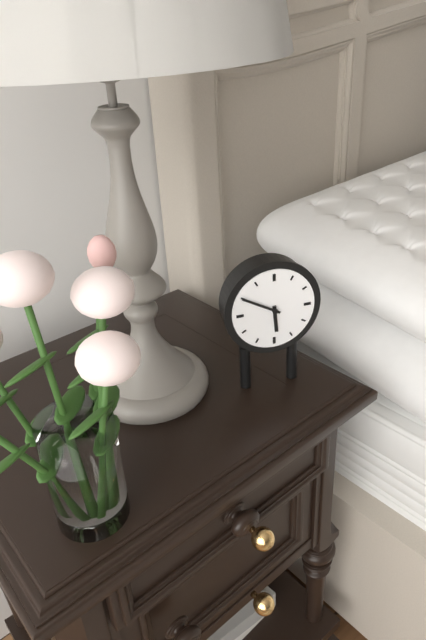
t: h=5 m=50
